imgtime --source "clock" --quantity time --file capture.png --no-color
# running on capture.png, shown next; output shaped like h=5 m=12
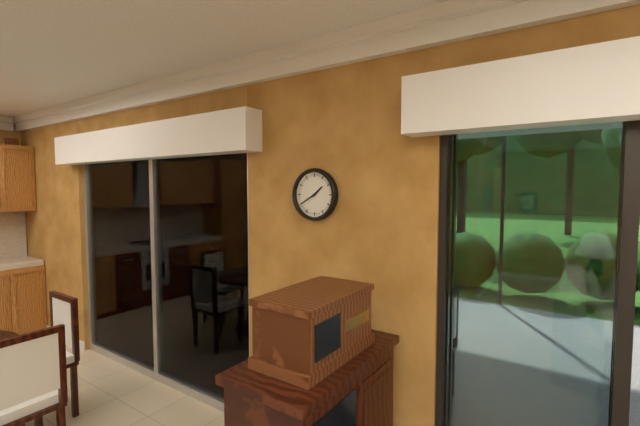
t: h=1 m=40
